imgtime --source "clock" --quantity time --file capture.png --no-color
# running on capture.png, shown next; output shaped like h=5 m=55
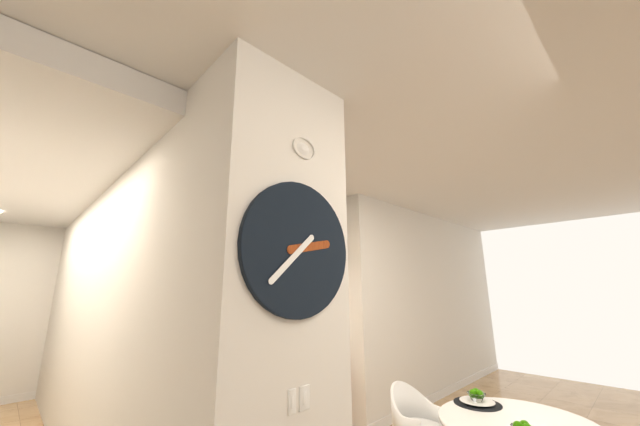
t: h=2 m=38
